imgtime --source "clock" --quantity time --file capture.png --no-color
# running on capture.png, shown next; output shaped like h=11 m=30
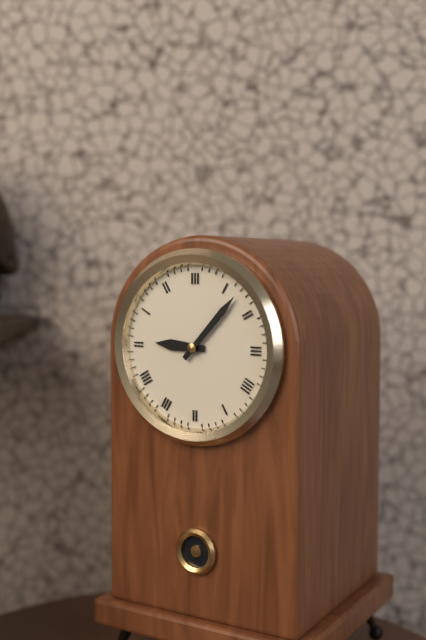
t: h=9 m=7
